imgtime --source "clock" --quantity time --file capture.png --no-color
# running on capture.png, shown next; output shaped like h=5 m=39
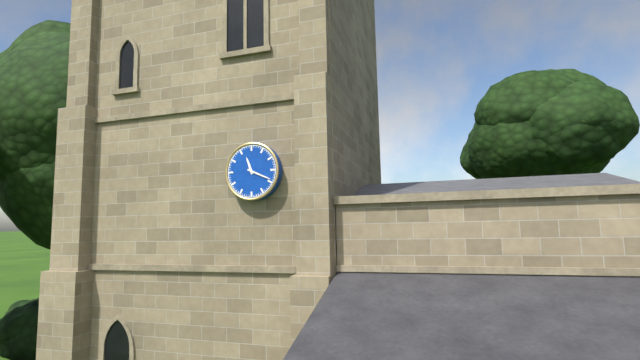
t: h=11 m=19
